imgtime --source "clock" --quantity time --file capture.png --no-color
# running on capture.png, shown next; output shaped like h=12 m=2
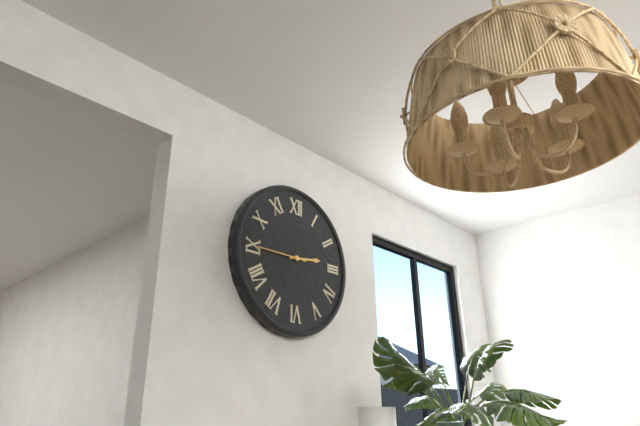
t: h=2 m=45
